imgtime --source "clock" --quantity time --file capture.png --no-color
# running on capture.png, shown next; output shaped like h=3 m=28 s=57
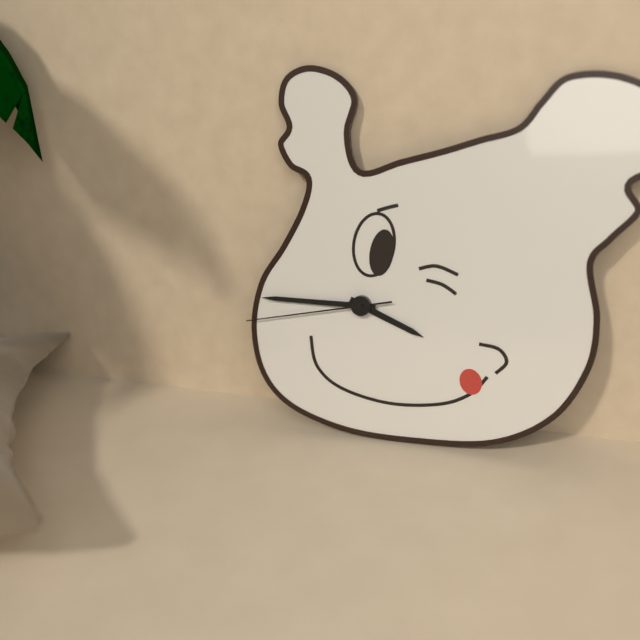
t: h=3 m=45 s=43
